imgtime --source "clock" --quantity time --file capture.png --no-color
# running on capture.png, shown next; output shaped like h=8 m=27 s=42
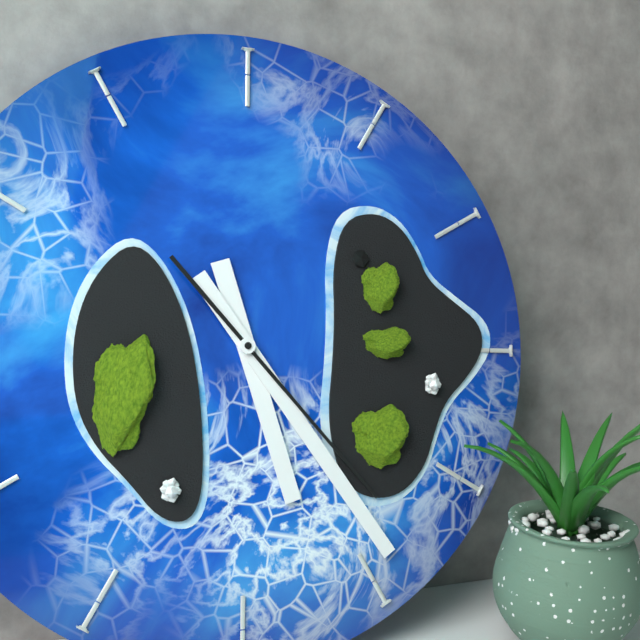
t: h=5 m=24 s=23
